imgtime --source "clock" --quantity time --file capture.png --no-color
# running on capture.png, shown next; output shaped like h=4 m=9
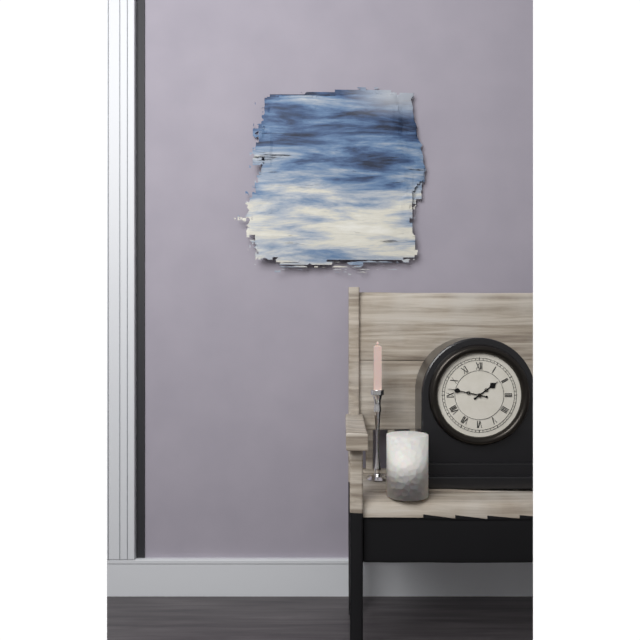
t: h=1 m=47
